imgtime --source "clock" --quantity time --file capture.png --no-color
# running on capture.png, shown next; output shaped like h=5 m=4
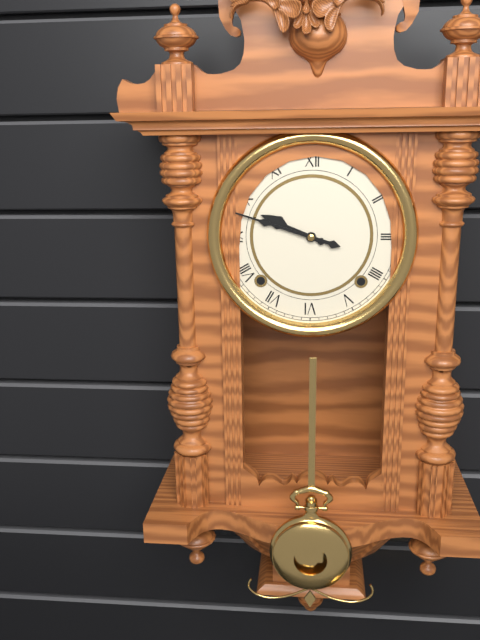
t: h=9 m=48
